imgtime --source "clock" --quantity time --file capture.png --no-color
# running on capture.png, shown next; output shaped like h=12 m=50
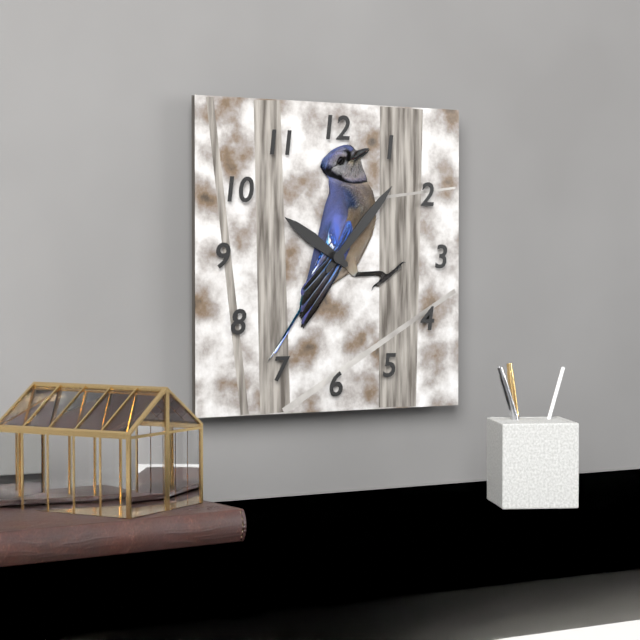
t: h=10 m=7
